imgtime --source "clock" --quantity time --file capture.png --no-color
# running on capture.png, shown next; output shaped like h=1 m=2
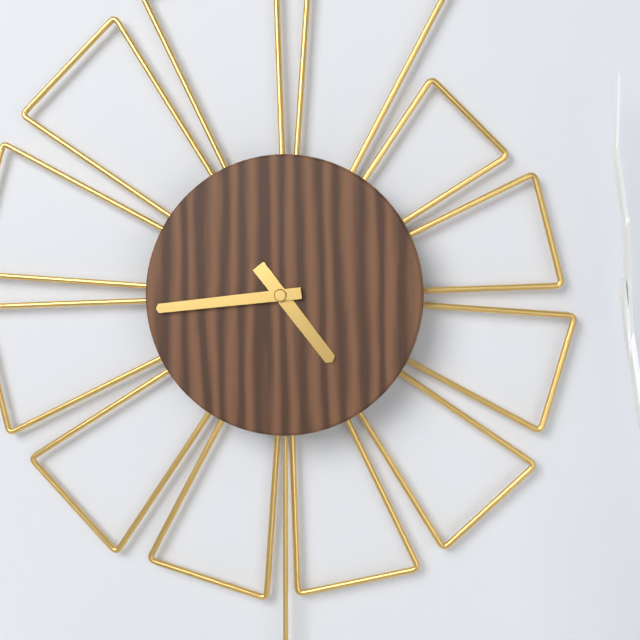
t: h=4 m=44
